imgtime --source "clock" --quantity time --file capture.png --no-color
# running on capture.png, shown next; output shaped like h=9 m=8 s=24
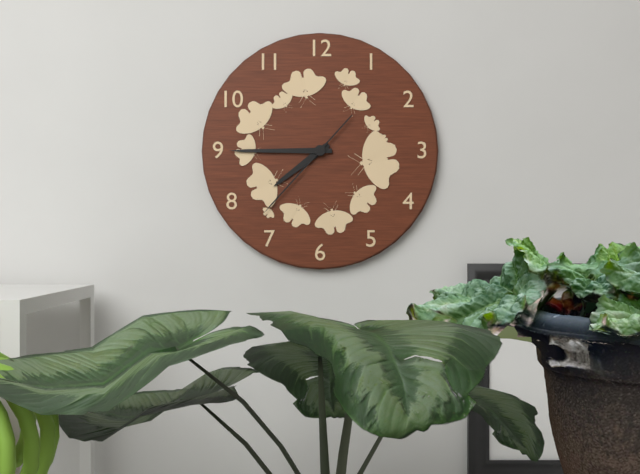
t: h=7 m=45 s=37
